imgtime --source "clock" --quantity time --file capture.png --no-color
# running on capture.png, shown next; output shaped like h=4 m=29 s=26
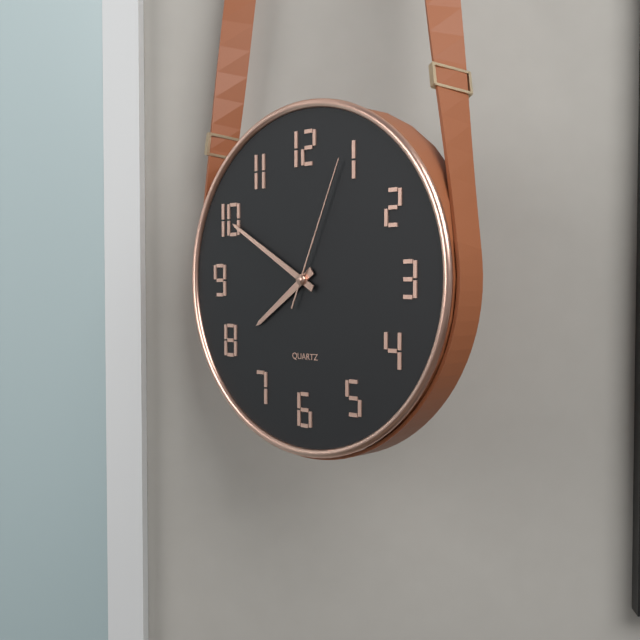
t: h=7 m=50 s=4
